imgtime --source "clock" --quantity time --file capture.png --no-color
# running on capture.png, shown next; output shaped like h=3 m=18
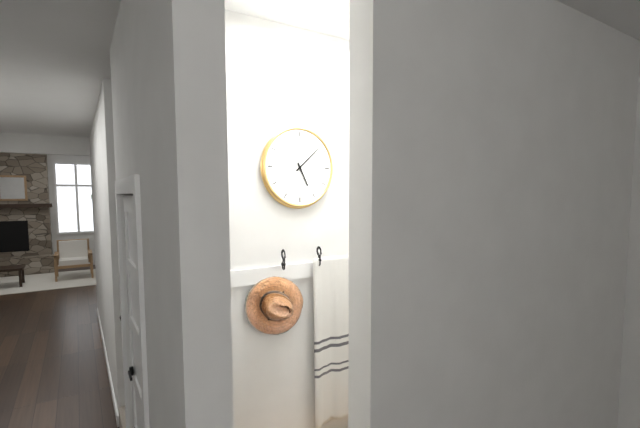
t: h=5 m=8
